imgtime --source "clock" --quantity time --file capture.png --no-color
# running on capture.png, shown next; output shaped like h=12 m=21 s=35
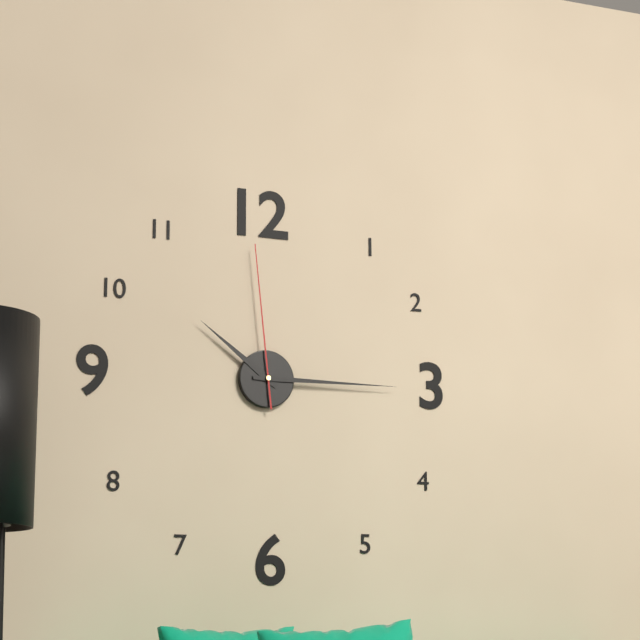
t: h=10 m=15 s=59
